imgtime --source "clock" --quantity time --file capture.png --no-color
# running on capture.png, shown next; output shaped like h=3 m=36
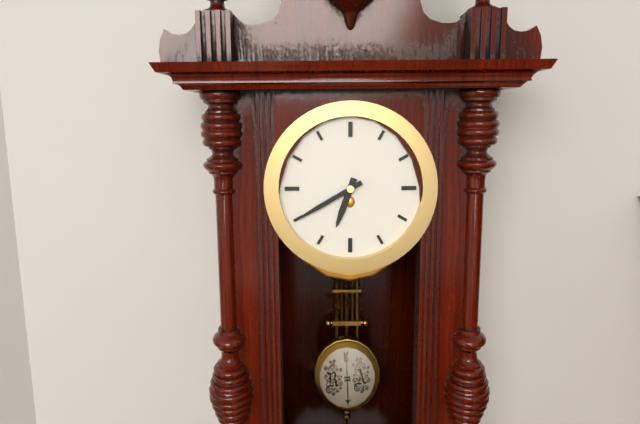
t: h=6 m=40
